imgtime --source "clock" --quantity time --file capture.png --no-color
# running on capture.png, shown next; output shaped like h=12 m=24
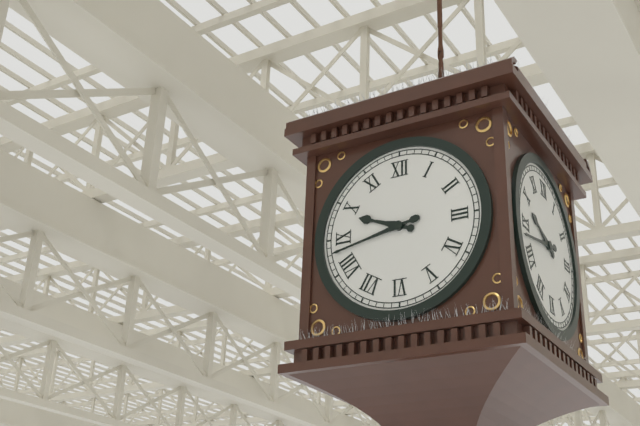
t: h=9 m=43
